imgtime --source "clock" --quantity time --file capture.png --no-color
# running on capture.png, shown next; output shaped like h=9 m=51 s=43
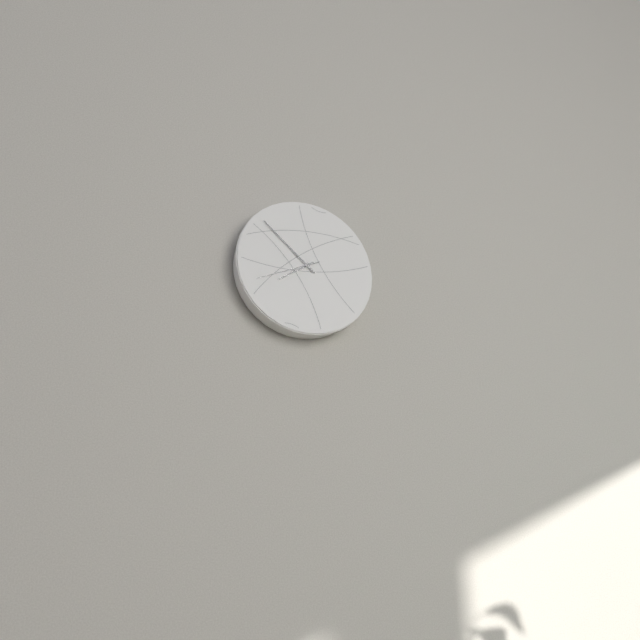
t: h=7 m=52 s=41
